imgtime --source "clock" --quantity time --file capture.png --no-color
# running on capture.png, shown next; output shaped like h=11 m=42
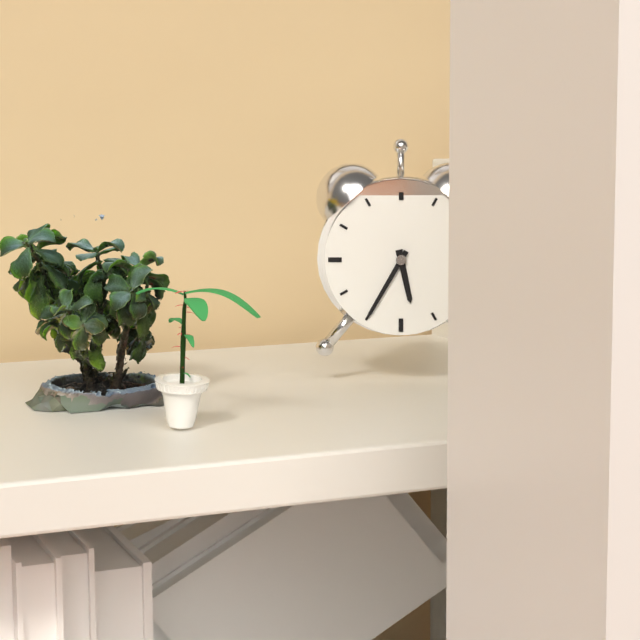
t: h=5 m=35
